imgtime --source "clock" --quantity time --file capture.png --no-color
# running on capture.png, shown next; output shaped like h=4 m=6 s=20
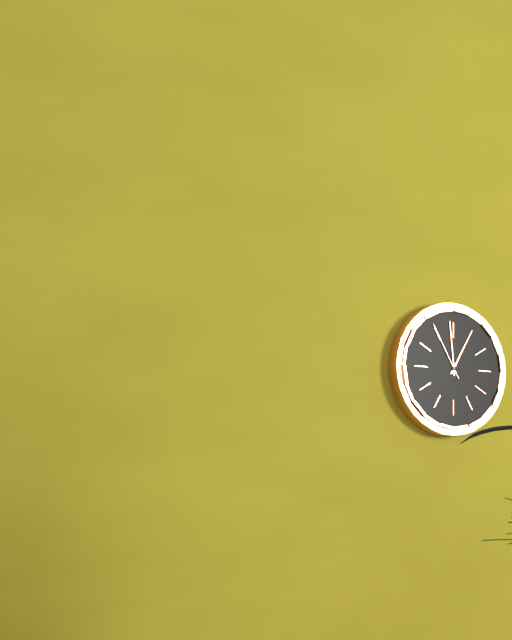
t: h=12 m=59 s=55
